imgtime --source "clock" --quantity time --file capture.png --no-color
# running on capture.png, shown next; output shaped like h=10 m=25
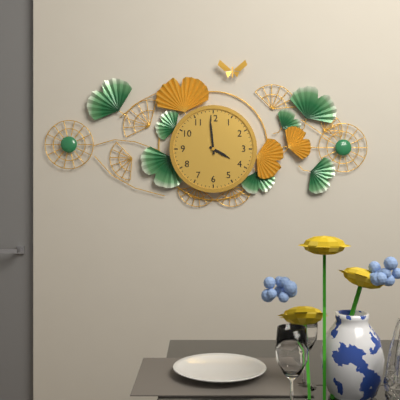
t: h=3 m=59
